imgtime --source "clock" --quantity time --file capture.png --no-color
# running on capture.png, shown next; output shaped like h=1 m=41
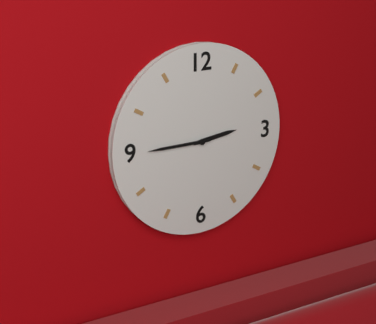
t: h=2 m=45
